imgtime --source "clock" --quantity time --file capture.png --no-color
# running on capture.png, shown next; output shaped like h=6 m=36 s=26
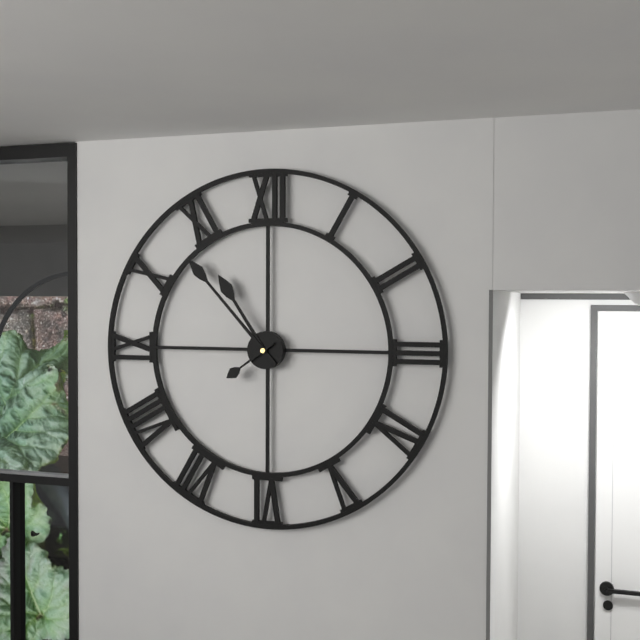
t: h=10 m=53 s=39
